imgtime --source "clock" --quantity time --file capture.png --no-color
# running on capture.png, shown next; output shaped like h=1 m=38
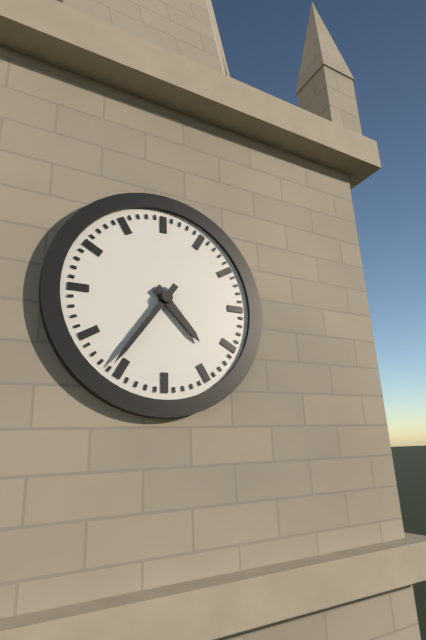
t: h=4 m=36
